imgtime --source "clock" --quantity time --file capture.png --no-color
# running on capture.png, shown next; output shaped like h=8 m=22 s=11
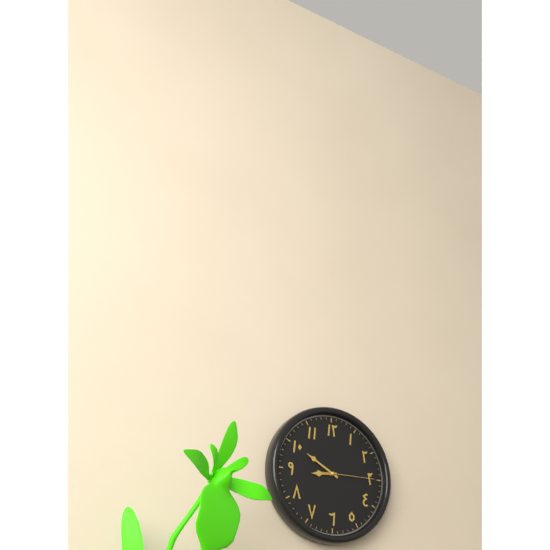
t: h=8 m=50 s=15
